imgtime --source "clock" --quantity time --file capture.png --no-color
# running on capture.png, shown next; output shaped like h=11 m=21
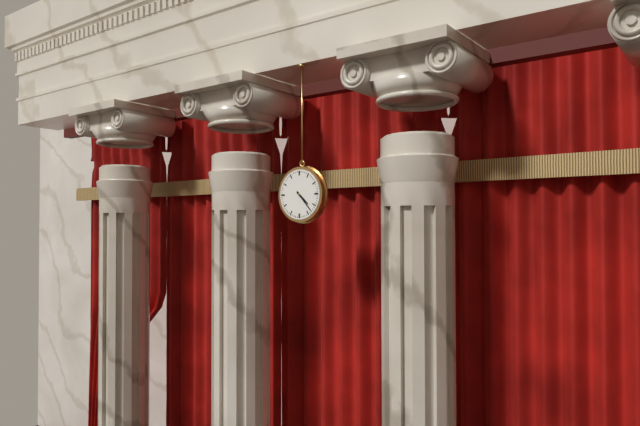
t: h=4 m=23
